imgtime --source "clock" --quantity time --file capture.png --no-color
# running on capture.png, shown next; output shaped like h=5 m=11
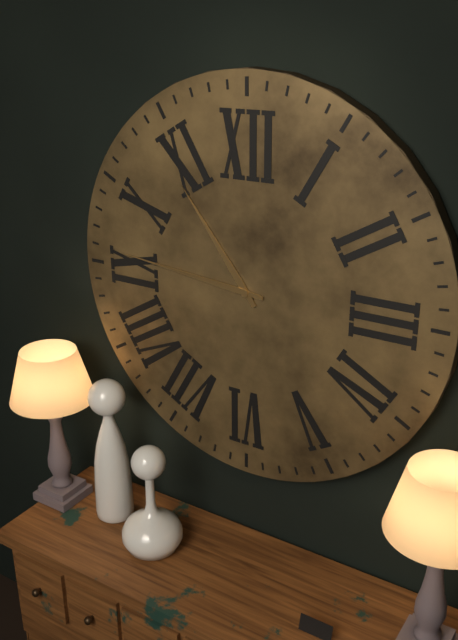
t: h=10 m=46
